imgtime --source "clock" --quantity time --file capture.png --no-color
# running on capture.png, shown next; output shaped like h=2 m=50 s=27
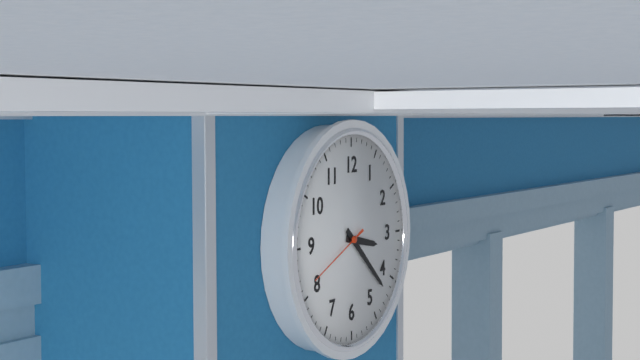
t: h=3 m=22 s=41
